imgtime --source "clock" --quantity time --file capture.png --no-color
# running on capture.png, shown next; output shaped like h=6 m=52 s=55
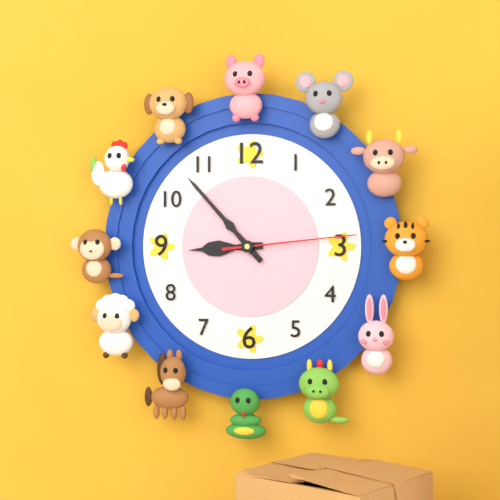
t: h=8 m=53 s=14
